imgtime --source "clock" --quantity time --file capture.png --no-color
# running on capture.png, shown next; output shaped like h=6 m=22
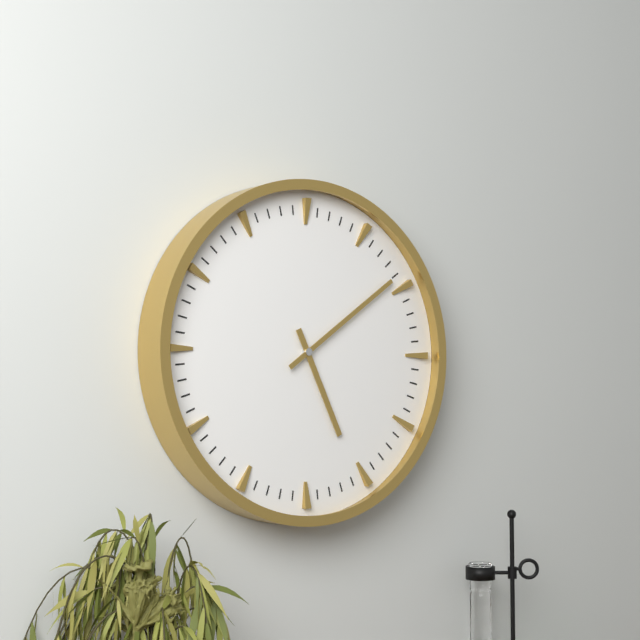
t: h=5 m=9
